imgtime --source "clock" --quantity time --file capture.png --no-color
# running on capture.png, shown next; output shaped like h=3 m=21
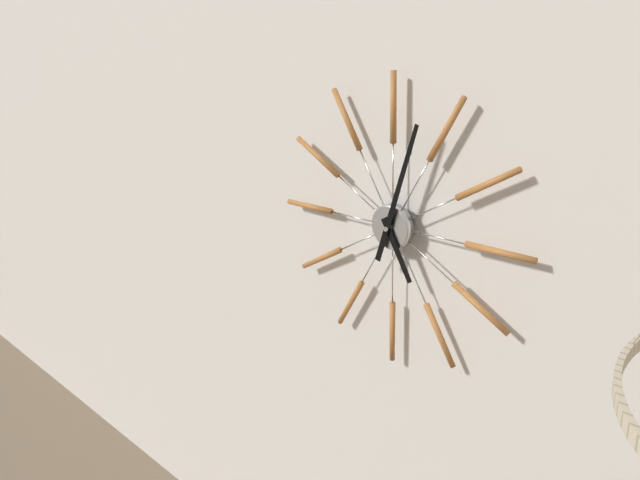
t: h=5 m=3
